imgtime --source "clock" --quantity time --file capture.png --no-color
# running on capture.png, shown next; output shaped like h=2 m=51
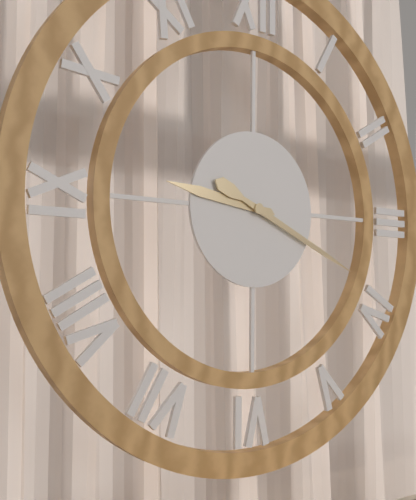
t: h=9 m=19
